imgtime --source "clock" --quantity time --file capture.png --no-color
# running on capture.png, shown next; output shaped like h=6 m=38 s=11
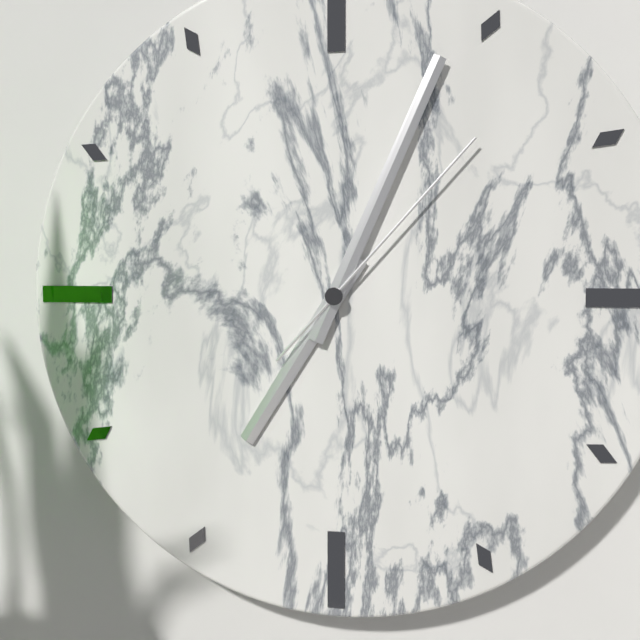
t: h=7 m=4 s=7
